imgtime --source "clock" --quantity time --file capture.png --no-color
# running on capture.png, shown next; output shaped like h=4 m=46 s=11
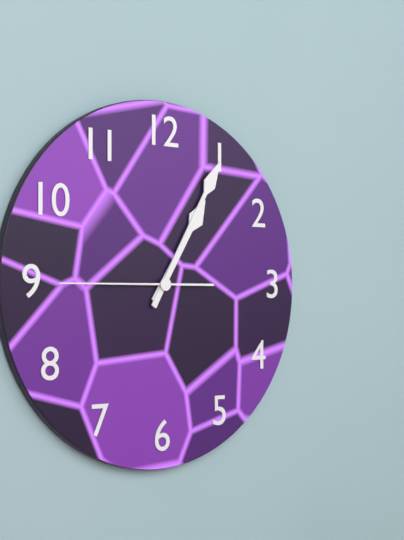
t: h=1 m=5 s=45
